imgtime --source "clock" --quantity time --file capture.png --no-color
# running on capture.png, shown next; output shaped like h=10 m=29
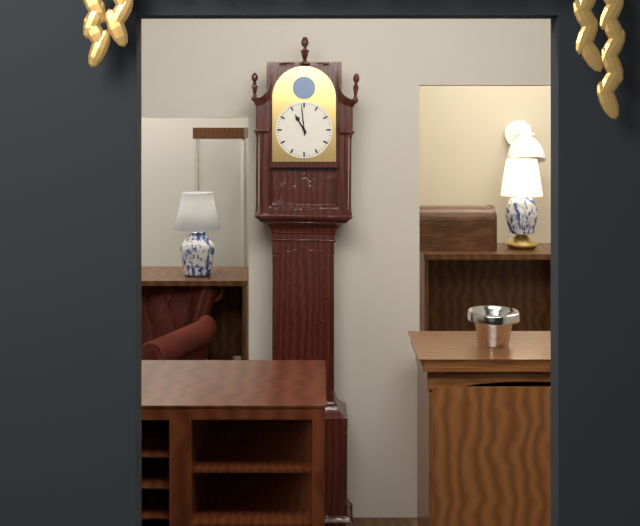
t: h=10 m=59
